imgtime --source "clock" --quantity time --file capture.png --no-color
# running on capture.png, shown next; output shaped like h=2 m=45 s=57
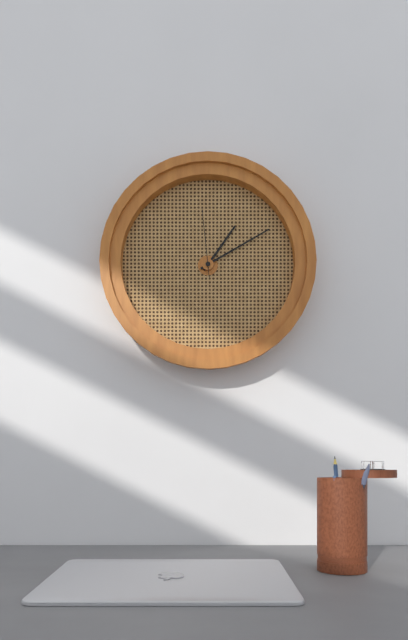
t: h=1 m=10 s=59
